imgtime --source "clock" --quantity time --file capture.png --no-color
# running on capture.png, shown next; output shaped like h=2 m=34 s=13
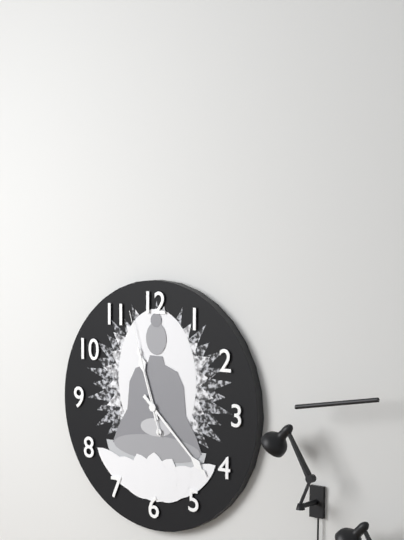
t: h=11 m=22 s=57
